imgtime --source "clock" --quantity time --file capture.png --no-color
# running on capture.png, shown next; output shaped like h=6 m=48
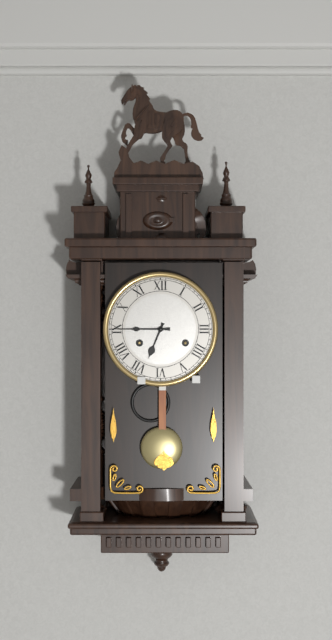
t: h=6 m=45
